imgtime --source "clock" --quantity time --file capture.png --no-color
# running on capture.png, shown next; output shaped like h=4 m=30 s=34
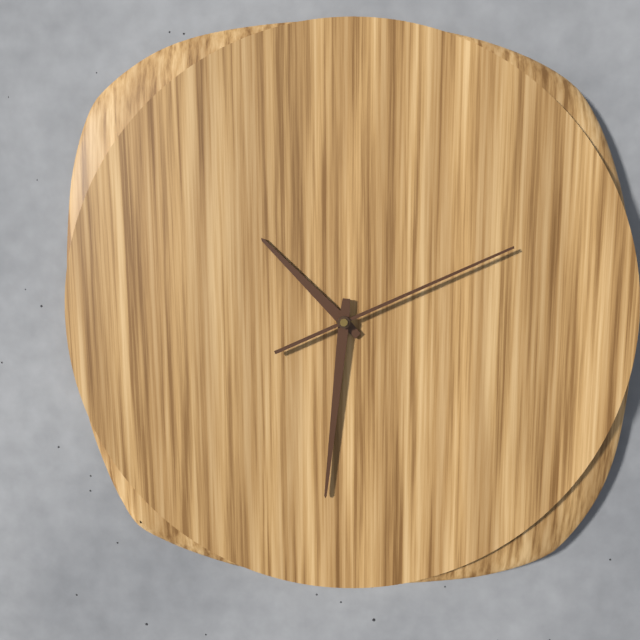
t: h=10 m=31 s=11
